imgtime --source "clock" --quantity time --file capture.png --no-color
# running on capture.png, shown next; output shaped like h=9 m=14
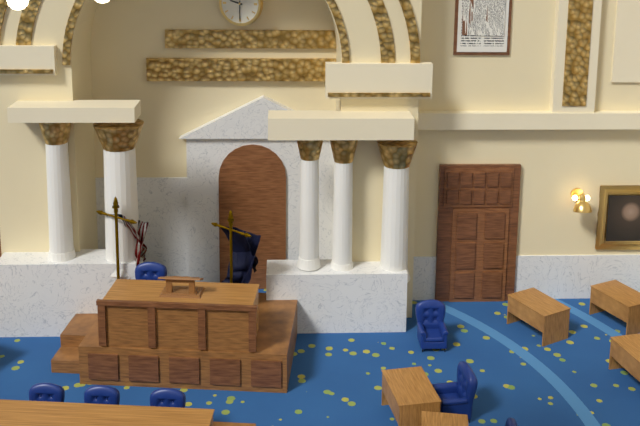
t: h=9 m=30
